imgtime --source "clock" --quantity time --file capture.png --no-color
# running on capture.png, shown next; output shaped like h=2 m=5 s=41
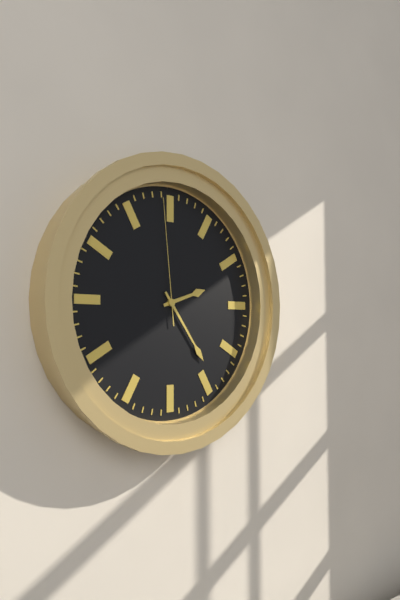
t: h=2 m=24 s=59
